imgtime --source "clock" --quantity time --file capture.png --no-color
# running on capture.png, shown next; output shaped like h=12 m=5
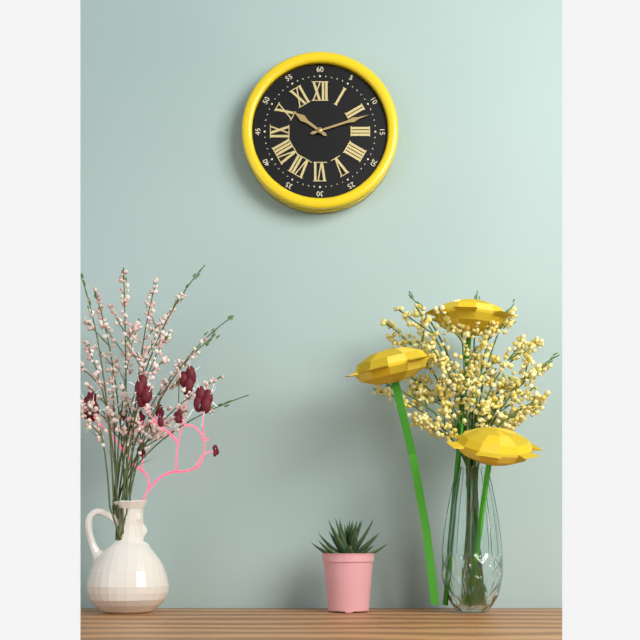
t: h=10 m=12
